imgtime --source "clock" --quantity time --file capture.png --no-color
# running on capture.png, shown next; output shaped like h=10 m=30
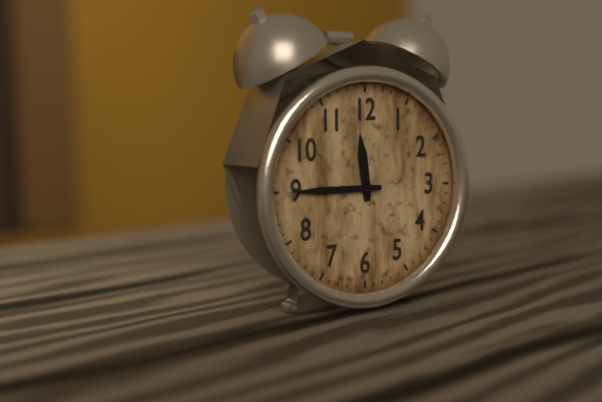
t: h=11 m=45
